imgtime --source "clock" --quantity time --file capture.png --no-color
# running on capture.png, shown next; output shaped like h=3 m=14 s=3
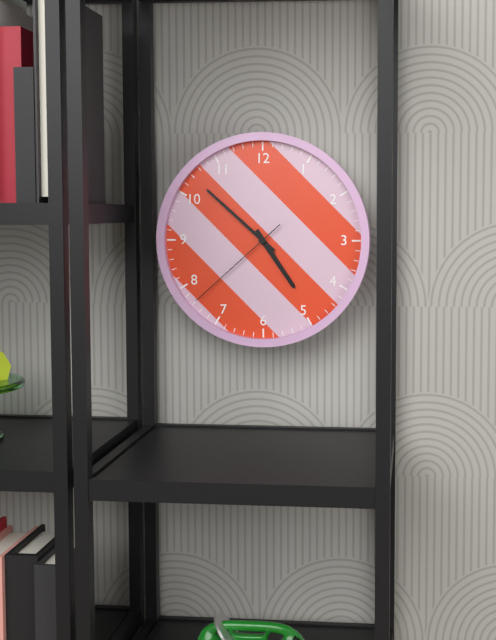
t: h=4 m=52 s=38
